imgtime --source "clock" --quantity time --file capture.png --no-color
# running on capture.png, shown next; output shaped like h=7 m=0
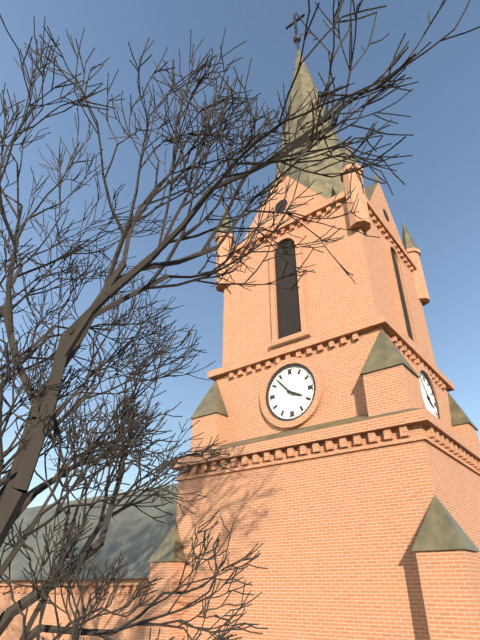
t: h=3 m=53
